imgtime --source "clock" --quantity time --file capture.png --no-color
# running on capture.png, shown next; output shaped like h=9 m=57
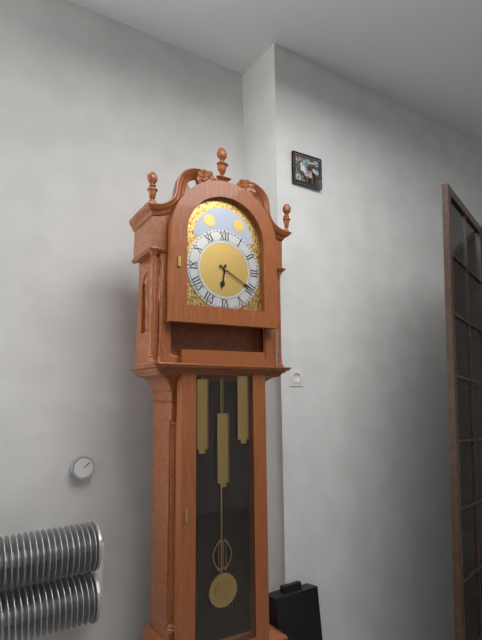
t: h=6 m=20
